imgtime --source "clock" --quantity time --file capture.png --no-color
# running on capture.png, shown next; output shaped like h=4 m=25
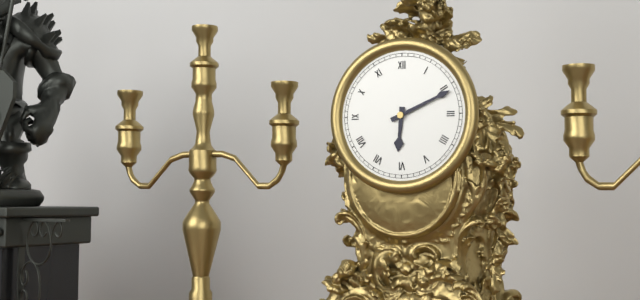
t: h=6 m=11
